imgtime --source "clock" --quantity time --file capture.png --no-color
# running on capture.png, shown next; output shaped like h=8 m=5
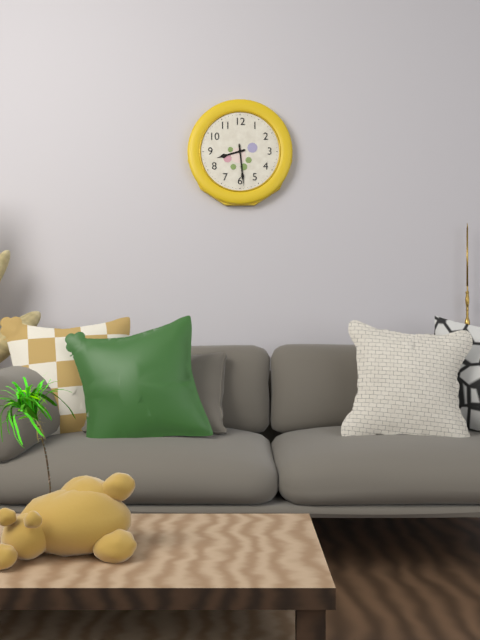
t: h=8 m=29
